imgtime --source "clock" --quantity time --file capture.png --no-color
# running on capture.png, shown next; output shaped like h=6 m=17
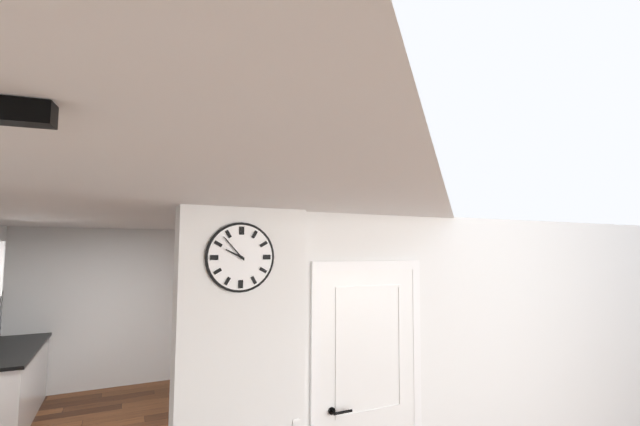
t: h=9 m=53
